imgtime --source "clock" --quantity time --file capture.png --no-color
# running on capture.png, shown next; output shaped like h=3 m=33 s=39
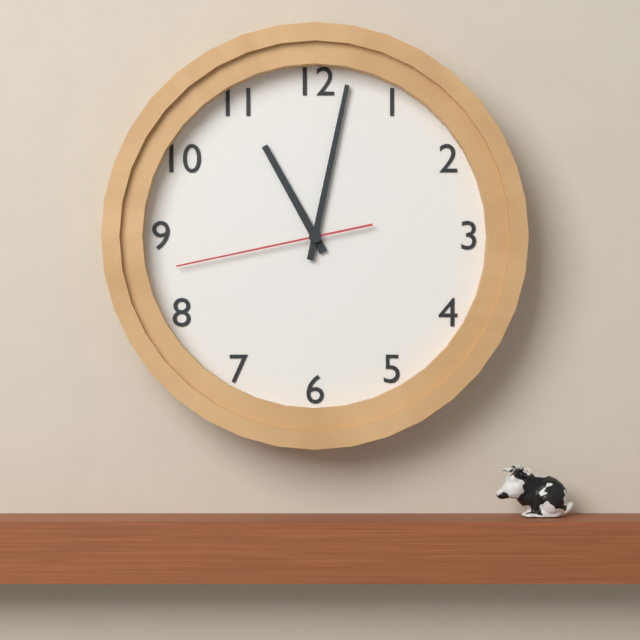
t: h=11 m=2 s=43
